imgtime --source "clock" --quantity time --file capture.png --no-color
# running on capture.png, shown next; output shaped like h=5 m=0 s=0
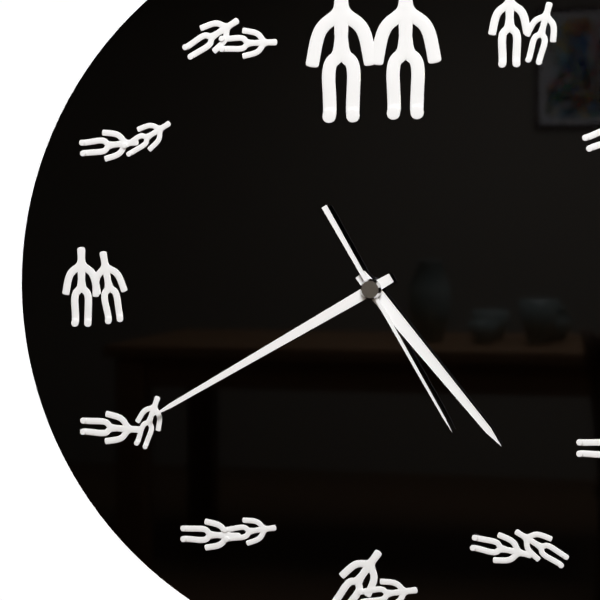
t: h=4 m=40 s=25
